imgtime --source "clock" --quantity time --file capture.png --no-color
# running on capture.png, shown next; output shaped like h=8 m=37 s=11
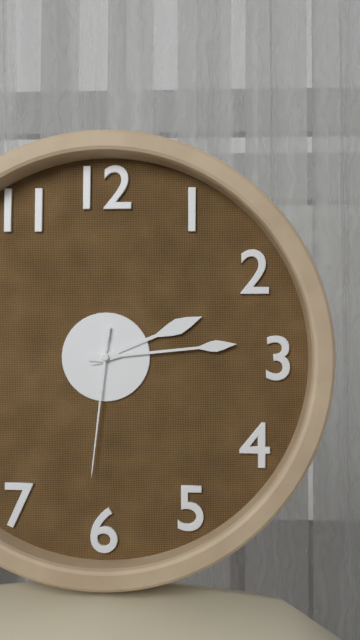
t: h=2 m=14 s=31
